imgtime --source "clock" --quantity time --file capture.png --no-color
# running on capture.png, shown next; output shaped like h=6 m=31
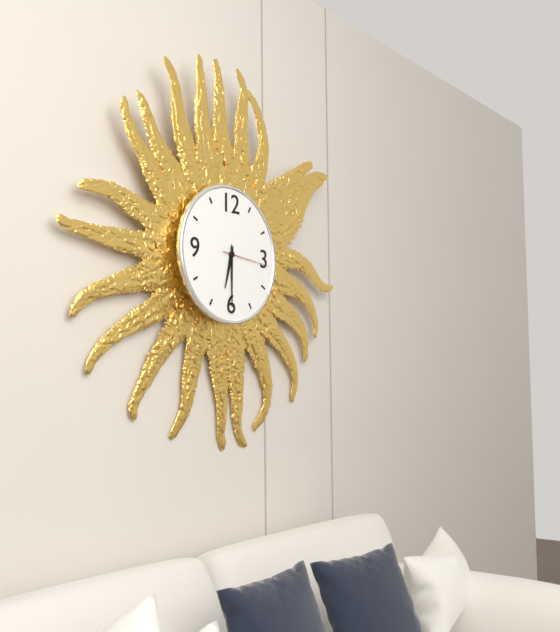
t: h=6 m=30
